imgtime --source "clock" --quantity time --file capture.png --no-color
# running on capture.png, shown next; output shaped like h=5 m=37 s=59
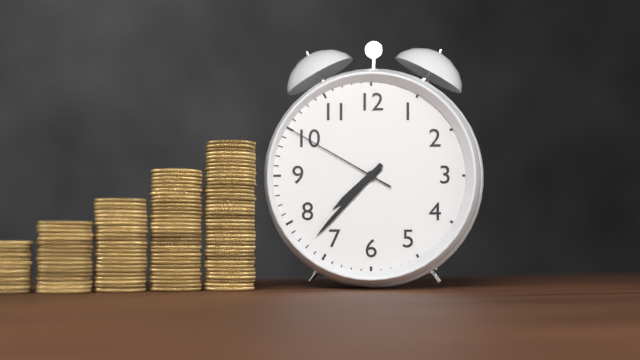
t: h=7 m=37 s=50
